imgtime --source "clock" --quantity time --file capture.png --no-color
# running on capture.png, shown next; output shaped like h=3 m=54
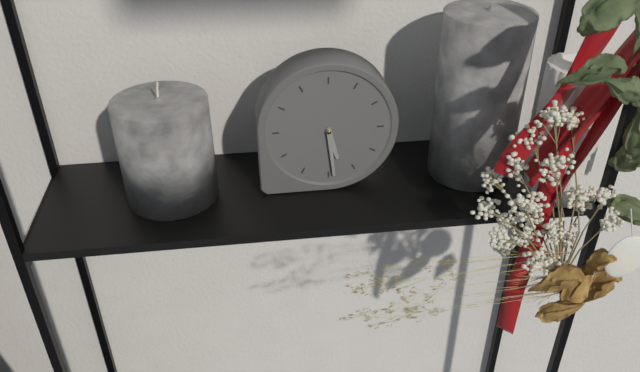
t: h=5 m=29
